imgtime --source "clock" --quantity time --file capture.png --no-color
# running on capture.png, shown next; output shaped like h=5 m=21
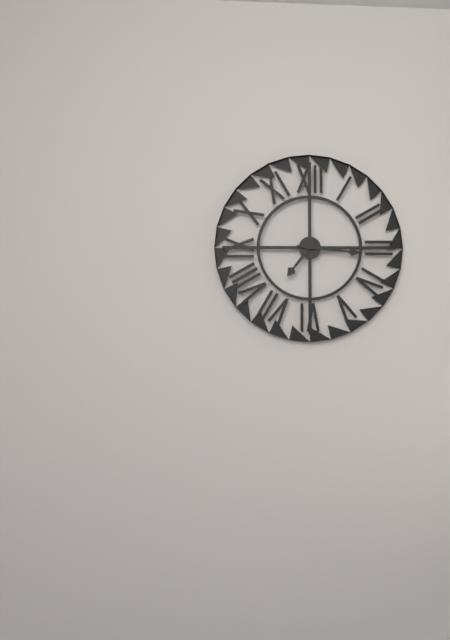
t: h=7 m=16
